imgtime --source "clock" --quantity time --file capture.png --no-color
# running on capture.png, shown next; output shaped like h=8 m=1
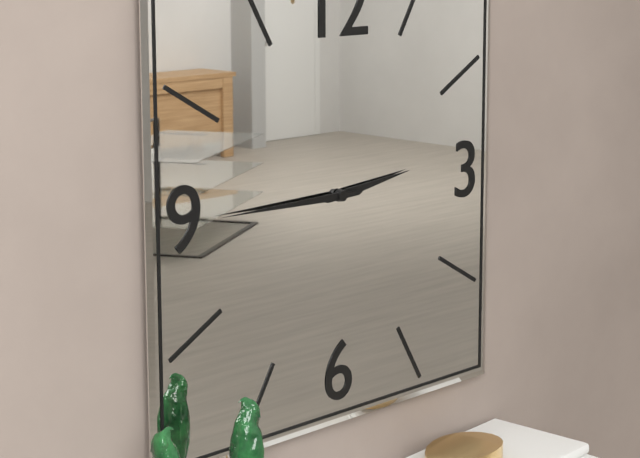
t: h=2 m=45
